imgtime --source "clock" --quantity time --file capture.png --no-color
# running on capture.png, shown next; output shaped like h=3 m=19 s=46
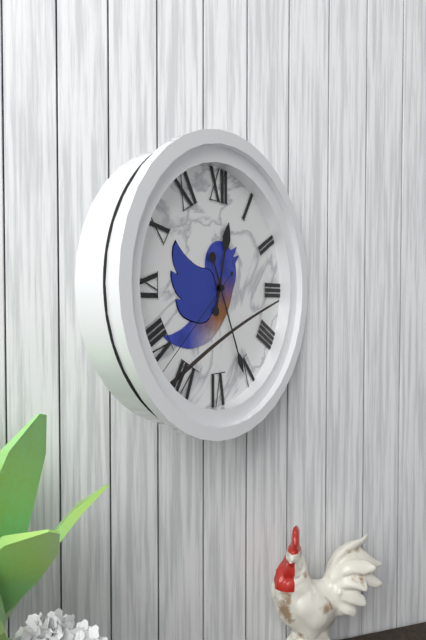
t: h=12 m=26 s=38
